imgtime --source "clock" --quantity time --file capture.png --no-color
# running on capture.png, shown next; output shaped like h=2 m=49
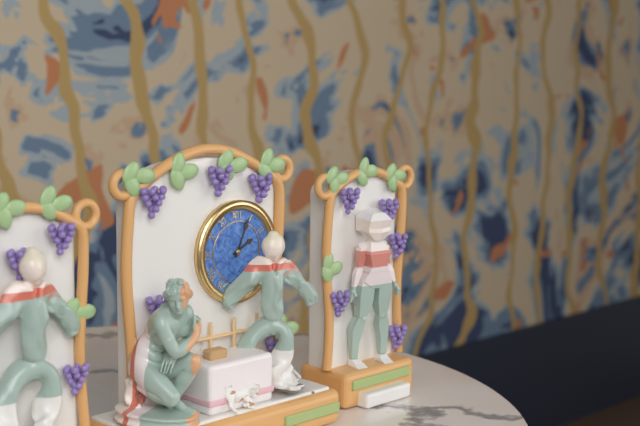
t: h=2 m=4
